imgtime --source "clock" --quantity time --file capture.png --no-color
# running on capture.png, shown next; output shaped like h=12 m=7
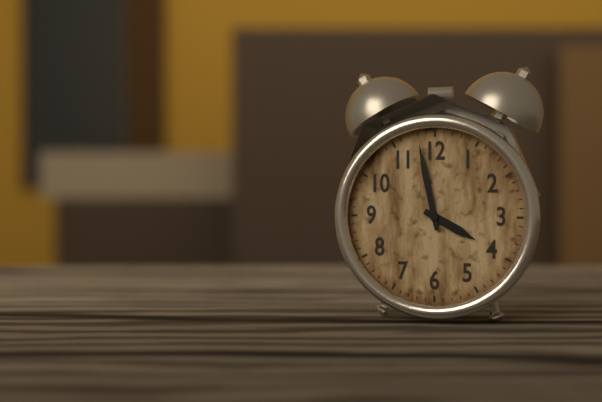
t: h=3 m=58
